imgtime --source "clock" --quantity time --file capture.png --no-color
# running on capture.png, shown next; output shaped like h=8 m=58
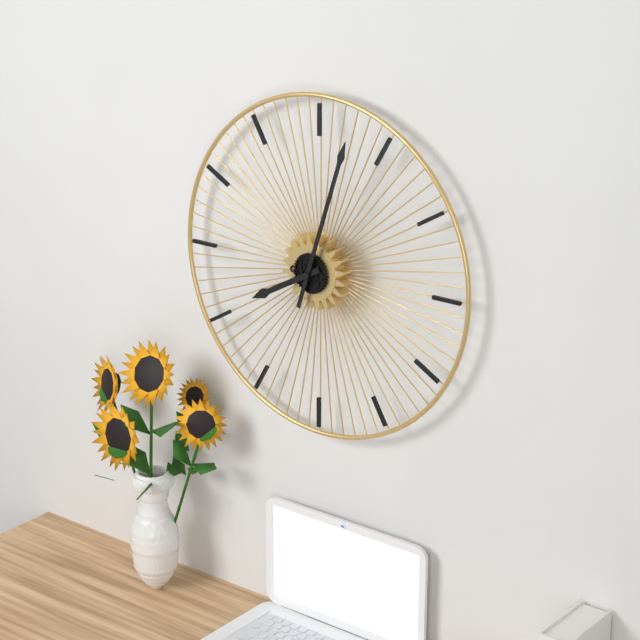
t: h=8 m=3
